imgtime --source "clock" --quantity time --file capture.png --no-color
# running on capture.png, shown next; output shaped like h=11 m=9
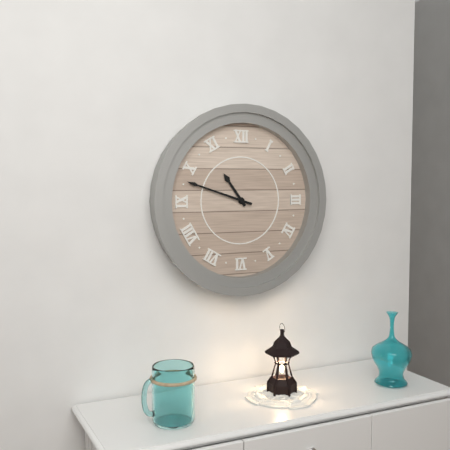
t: h=10 m=48
